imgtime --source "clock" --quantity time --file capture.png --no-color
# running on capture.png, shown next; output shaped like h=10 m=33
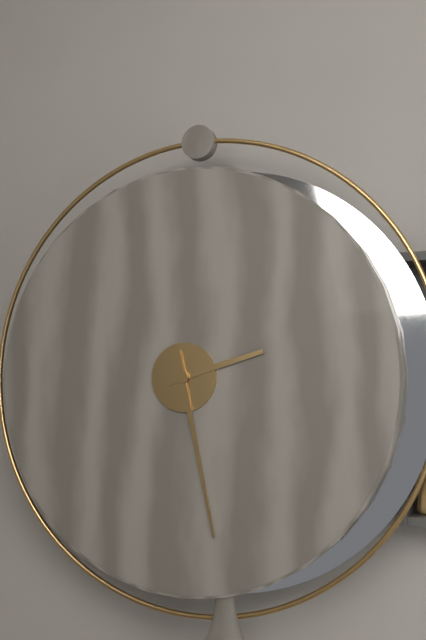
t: h=2 m=28
